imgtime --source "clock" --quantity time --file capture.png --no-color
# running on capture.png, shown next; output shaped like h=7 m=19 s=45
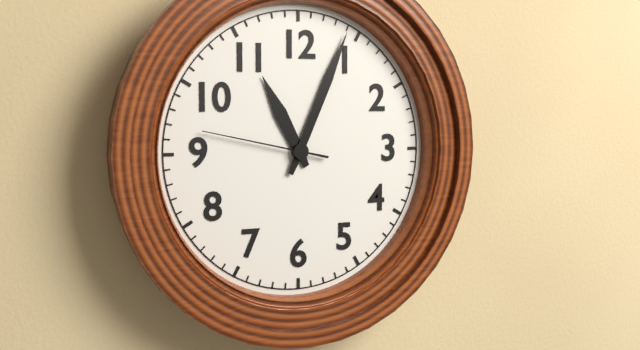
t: h=11 m=4 s=47
